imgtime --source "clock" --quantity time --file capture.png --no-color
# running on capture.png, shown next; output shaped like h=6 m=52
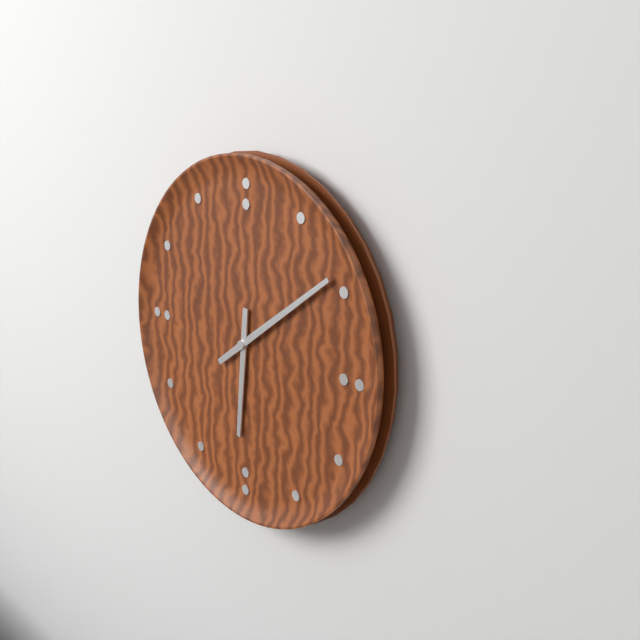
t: h=6 m=9
